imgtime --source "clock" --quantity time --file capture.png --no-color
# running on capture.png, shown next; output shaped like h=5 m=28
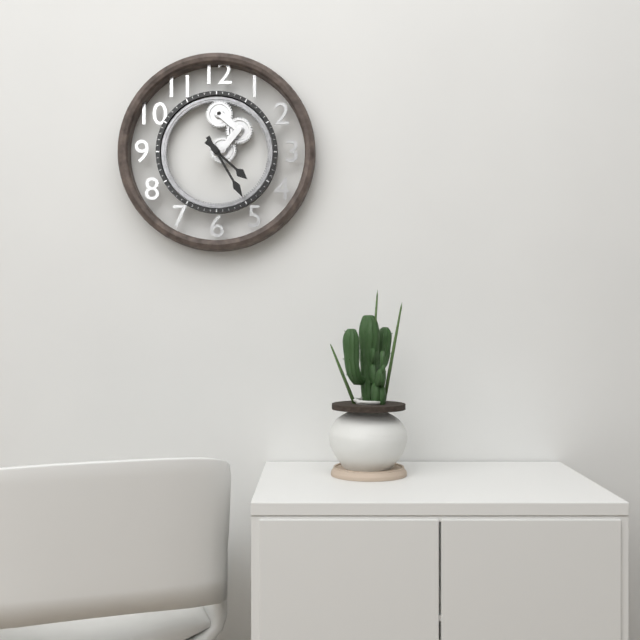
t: h=4 m=25
